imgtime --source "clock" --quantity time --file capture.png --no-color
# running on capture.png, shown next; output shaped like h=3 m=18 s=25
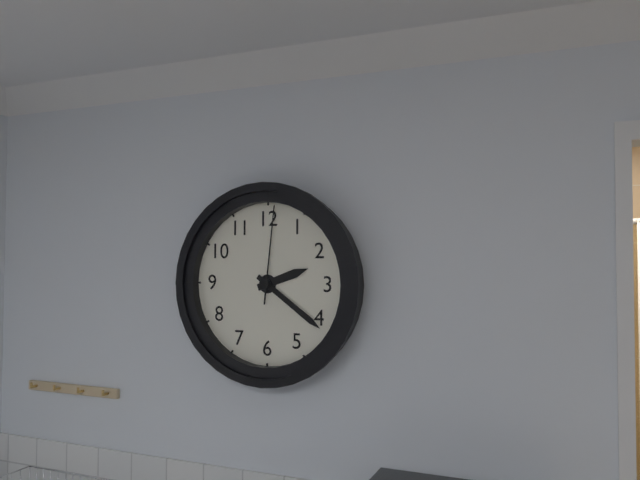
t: h=2 m=21 s=1
